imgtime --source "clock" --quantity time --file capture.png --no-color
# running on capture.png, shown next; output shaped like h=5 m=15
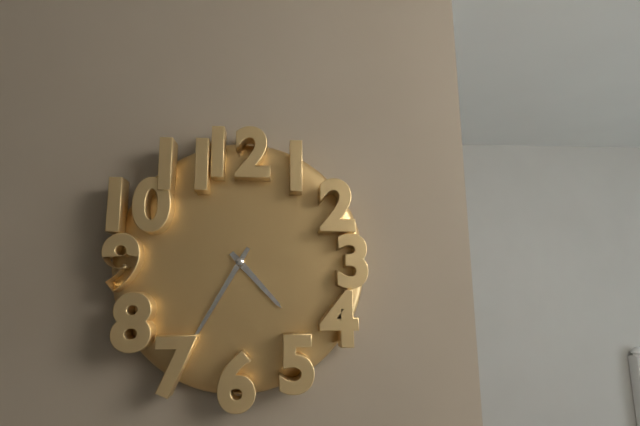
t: h=4 m=35
